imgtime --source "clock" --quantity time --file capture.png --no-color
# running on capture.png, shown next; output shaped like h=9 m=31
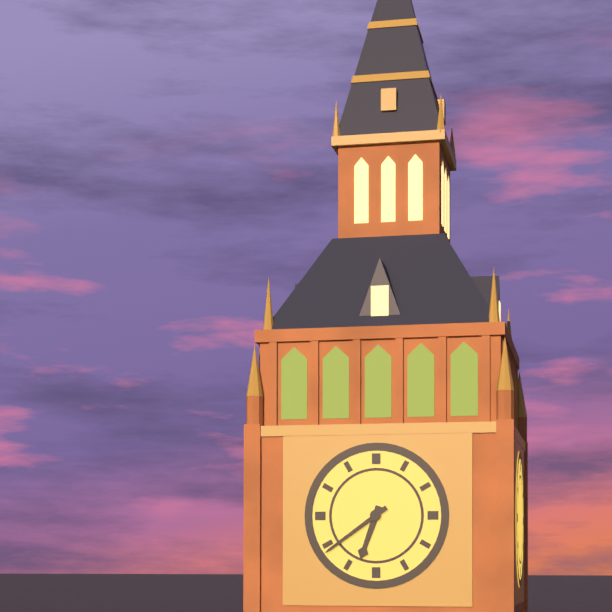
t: h=6 m=39
